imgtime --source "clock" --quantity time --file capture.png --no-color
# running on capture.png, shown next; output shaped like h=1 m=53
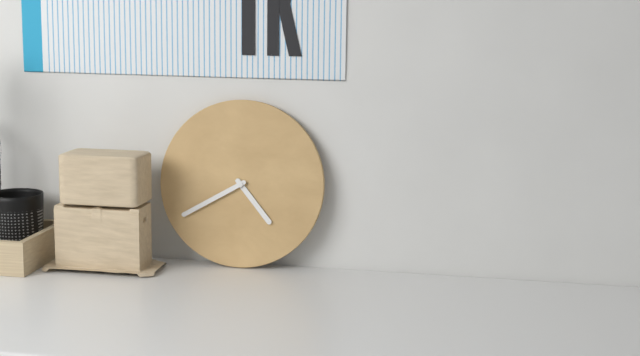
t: h=4 m=40
